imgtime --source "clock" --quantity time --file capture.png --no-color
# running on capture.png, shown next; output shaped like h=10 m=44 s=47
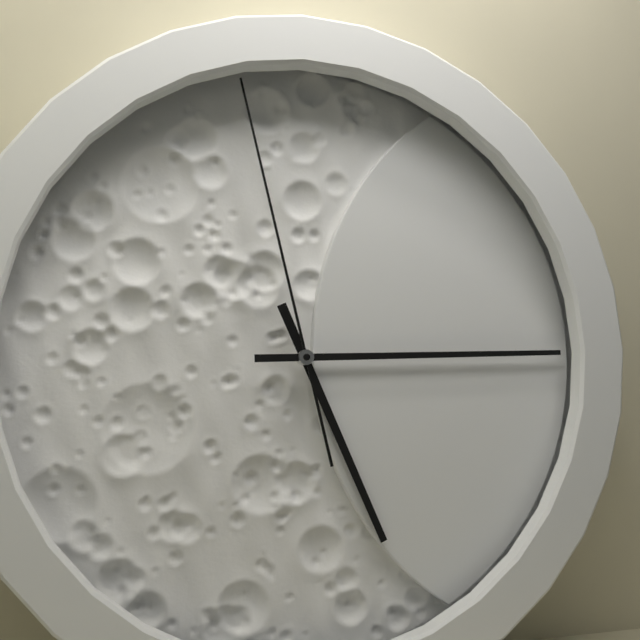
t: h=5 m=15 s=58
